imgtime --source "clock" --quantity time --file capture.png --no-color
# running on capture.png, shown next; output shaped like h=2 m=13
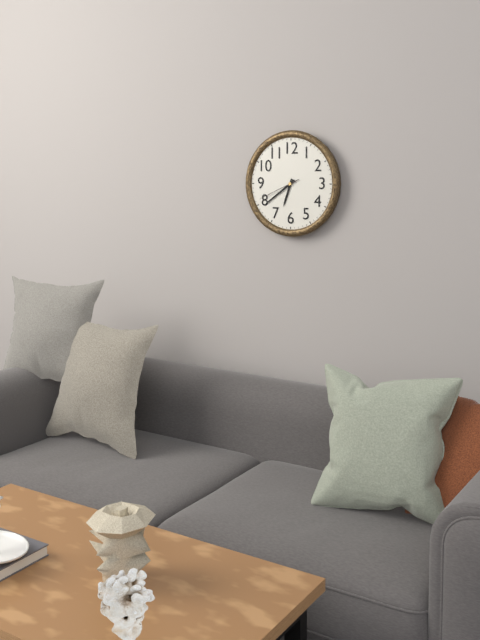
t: h=6 m=39
